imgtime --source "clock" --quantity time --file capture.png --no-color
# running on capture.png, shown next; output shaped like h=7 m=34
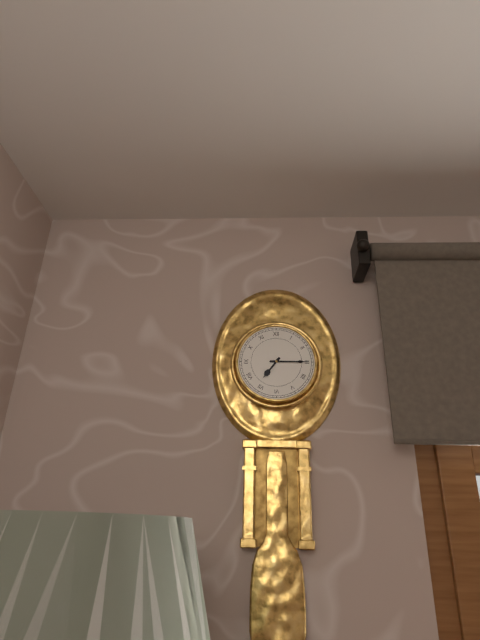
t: h=7 m=15
